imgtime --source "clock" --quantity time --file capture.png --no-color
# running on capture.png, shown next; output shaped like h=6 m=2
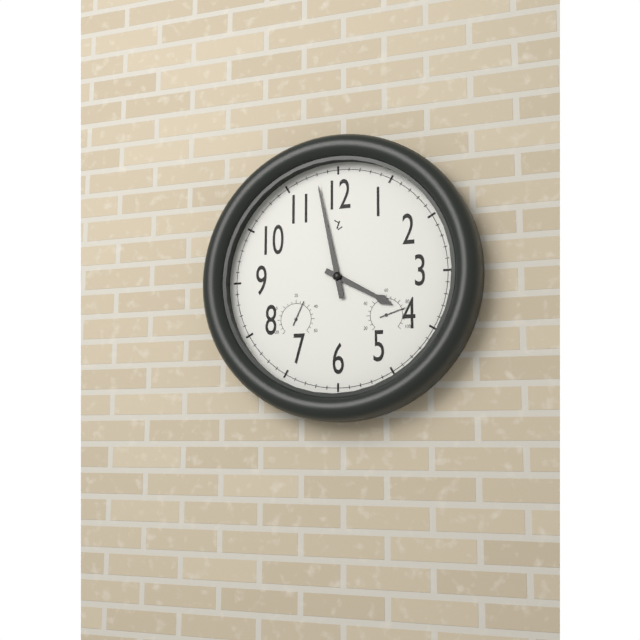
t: h=3 m=58
